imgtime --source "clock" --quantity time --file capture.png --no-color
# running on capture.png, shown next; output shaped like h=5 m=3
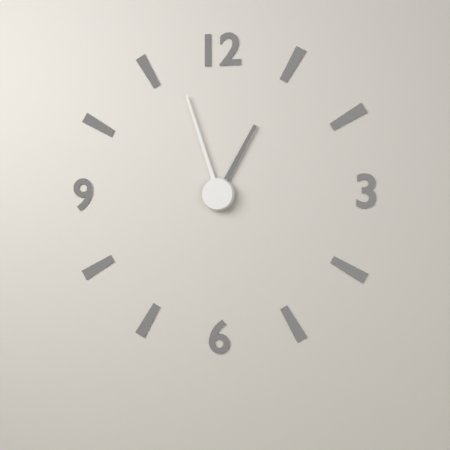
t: h=12 m=57
